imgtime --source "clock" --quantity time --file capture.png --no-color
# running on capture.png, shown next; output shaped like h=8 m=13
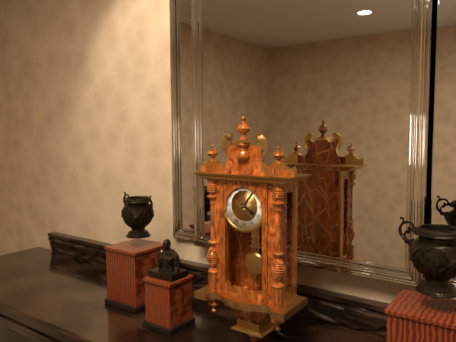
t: h=4 m=6
